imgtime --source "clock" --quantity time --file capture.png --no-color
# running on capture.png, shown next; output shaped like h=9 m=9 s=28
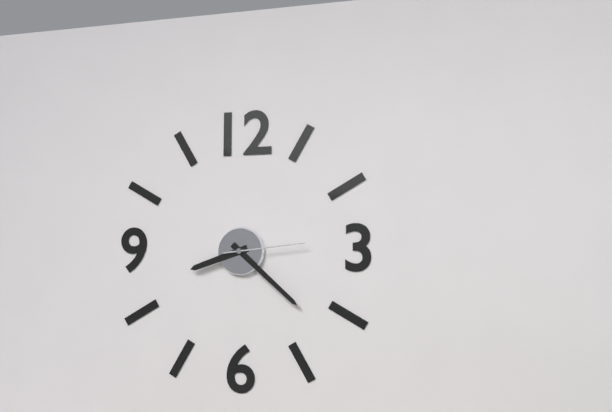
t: h=8 m=22 s=14
